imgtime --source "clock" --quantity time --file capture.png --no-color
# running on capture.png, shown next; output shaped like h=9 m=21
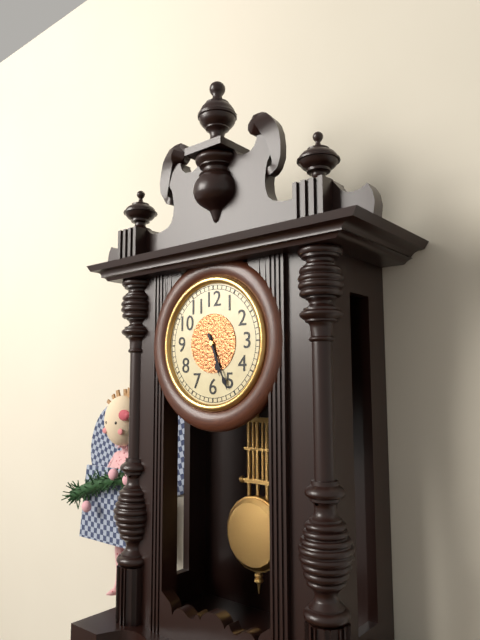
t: h=5 m=26
